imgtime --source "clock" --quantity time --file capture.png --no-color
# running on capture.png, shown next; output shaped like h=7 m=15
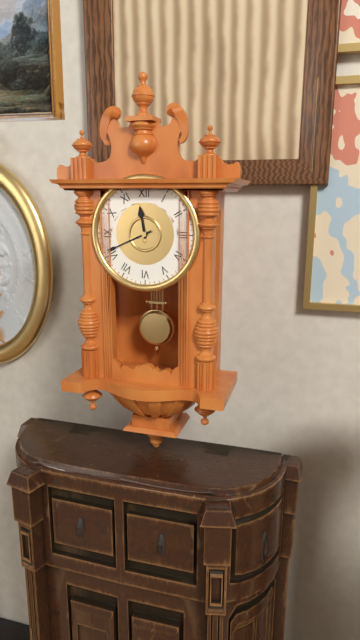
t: h=11 m=41
